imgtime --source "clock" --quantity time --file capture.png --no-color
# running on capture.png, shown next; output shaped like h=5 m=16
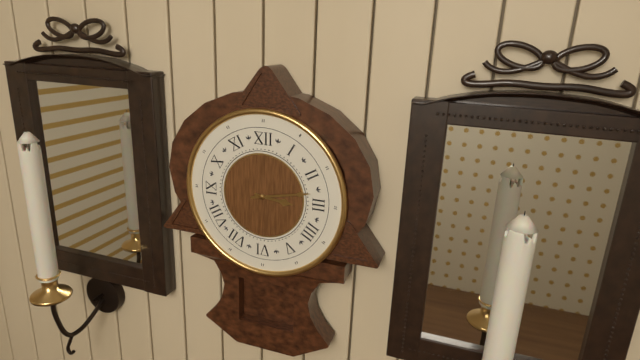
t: h=3 m=13
